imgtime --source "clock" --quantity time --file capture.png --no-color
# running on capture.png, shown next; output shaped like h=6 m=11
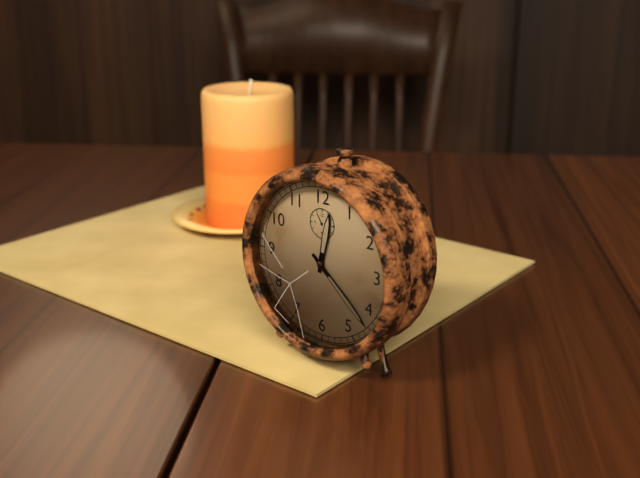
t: h=12 m=22
